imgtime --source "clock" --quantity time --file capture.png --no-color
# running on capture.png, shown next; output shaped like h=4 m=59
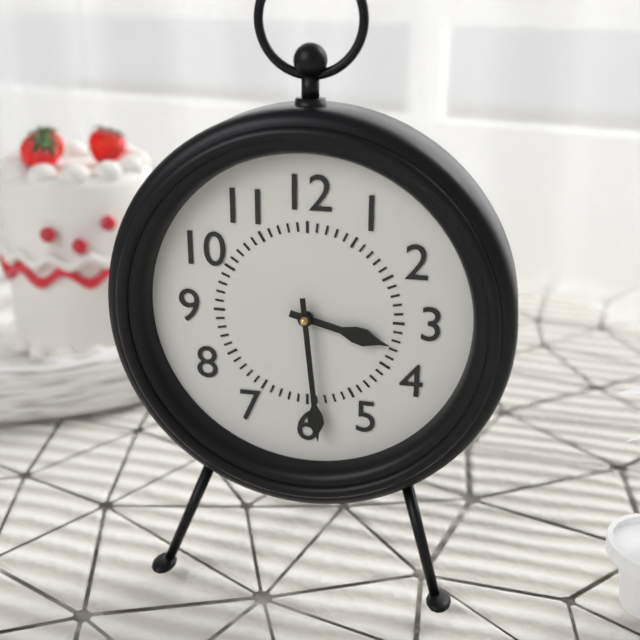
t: h=3 m=29
